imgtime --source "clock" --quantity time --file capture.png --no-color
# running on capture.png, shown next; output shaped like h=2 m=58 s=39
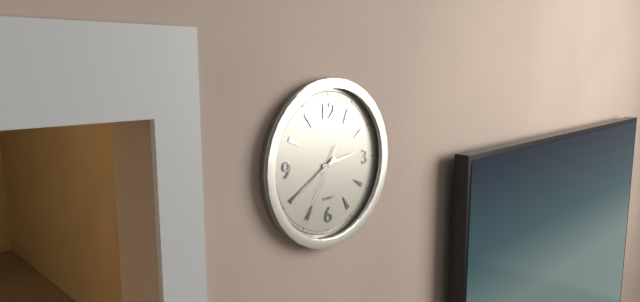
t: h=2 m=40 s=35
